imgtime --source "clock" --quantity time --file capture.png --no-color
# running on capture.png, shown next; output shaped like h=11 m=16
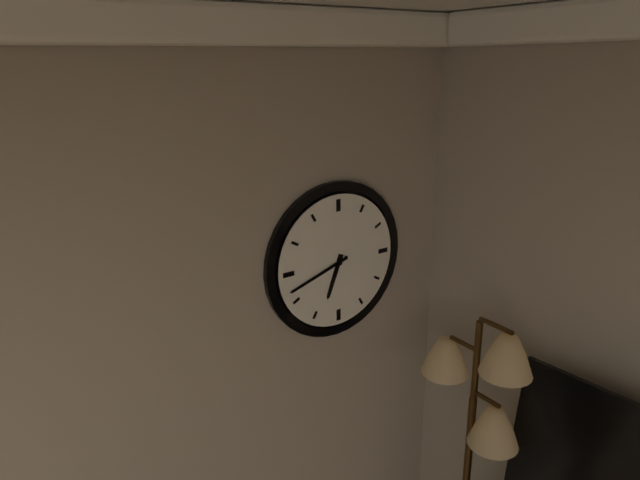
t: h=6 m=42
